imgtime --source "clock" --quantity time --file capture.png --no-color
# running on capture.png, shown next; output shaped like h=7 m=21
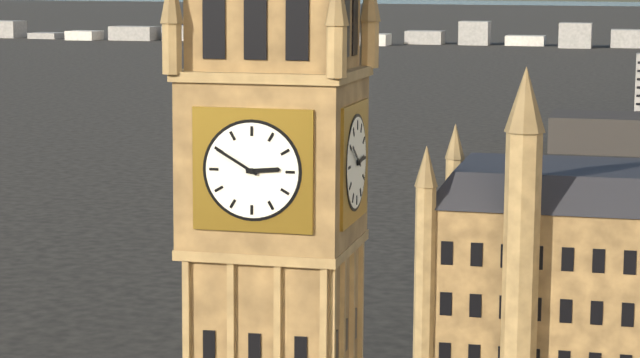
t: h=2 m=50
